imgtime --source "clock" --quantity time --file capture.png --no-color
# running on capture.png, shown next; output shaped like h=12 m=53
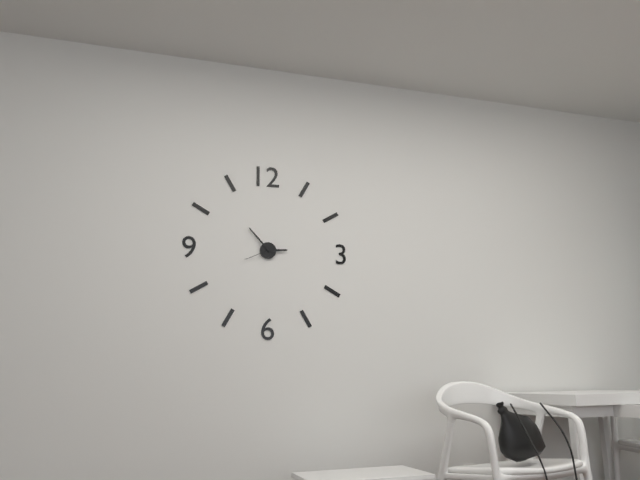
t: h=2 m=53
